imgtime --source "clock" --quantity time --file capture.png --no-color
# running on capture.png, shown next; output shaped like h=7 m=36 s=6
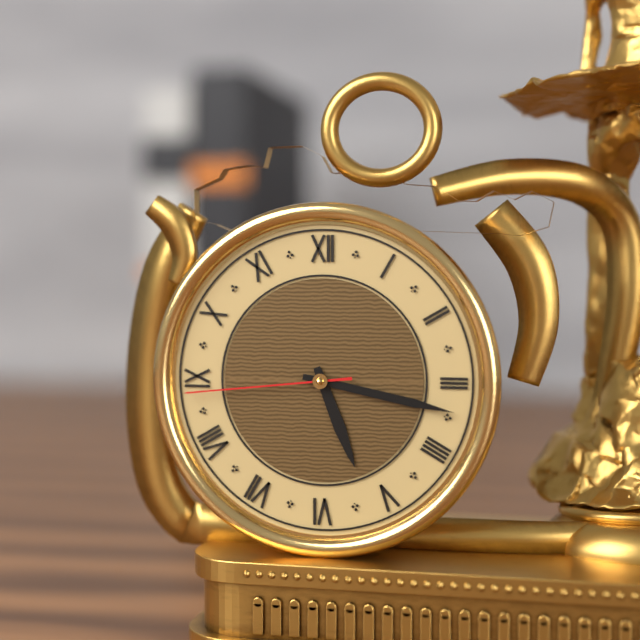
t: h=5 m=17 s=44
